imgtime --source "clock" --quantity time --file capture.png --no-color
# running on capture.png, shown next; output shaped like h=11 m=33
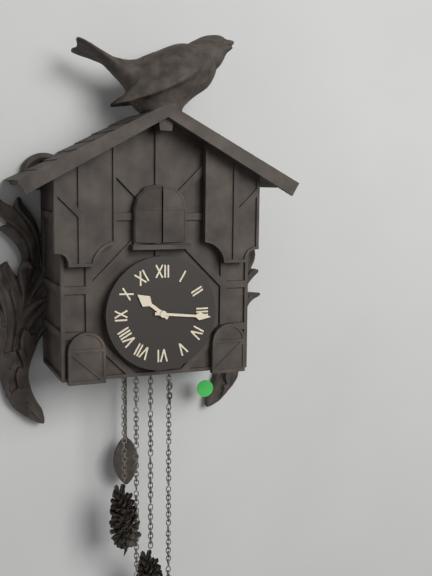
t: h=10 m=16
